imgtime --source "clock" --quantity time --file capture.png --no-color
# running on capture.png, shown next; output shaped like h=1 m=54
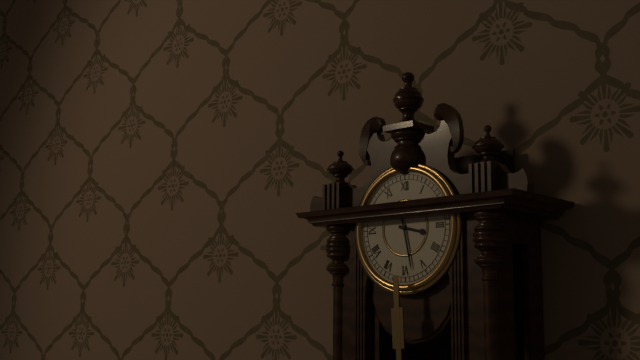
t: h=3 m=28
